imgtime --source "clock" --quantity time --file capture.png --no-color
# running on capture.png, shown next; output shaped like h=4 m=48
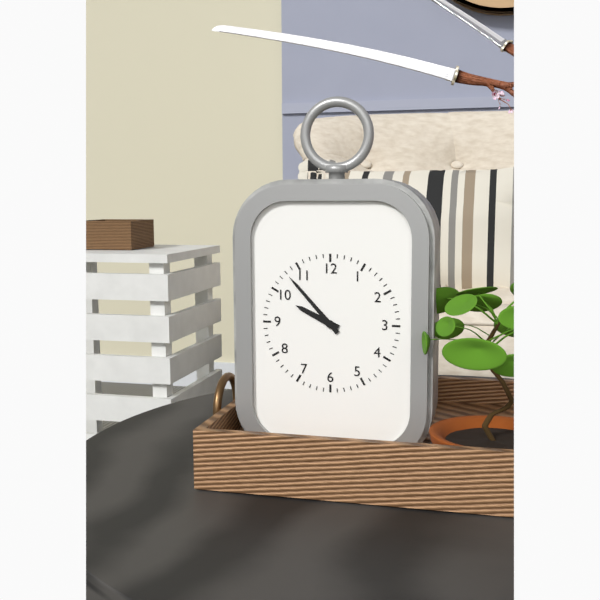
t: h=9 m=53
